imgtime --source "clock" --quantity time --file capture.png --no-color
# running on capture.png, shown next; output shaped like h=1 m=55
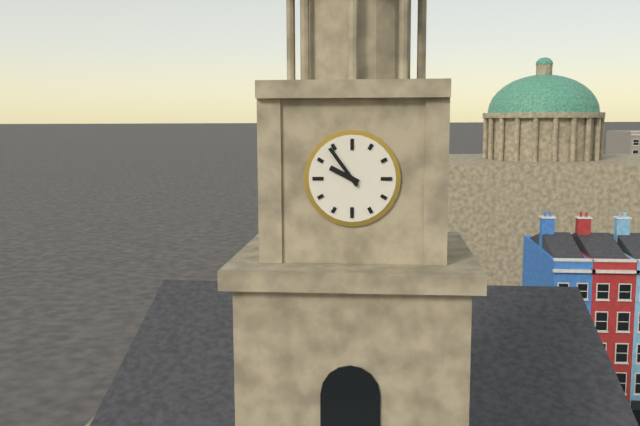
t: h=9 m=54
